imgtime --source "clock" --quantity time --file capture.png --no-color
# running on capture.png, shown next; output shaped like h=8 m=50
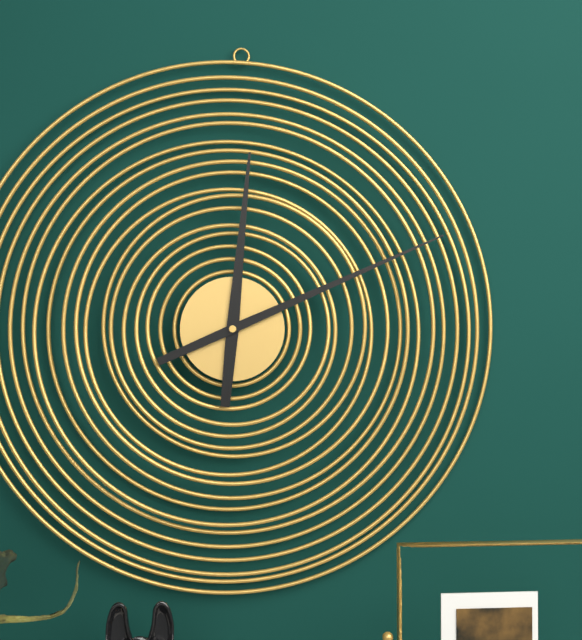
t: h=12 m=11
